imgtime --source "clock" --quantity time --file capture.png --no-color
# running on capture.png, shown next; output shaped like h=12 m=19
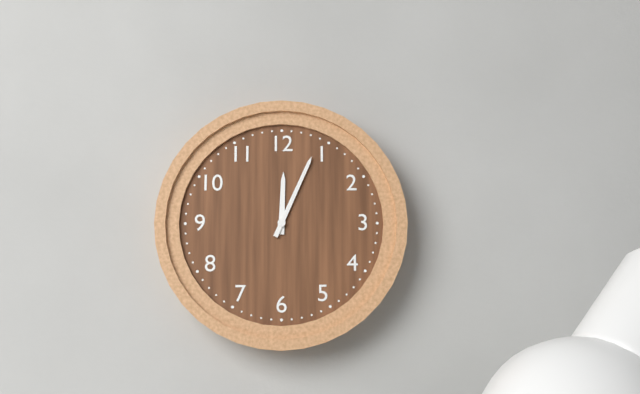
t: h=12 m=4
